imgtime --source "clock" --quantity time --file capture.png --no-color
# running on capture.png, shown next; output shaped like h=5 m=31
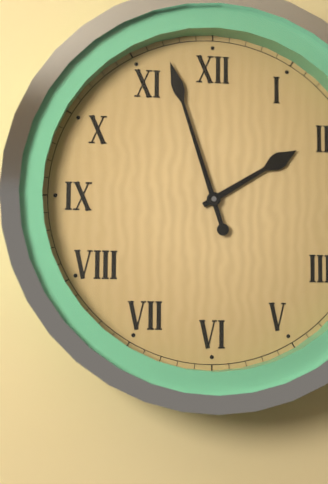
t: h=1 m=57
